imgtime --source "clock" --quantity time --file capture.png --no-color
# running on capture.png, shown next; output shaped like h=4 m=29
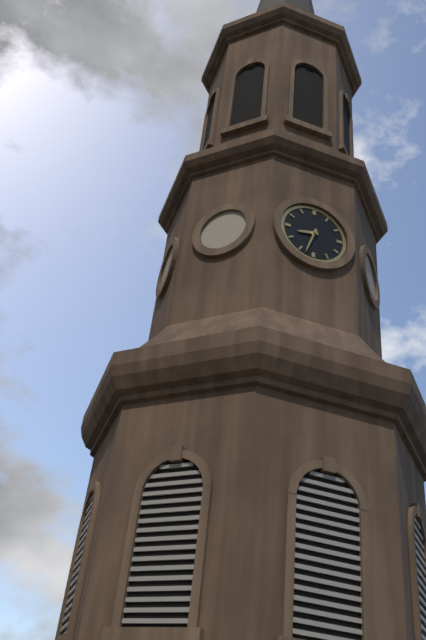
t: h=8 m=33
